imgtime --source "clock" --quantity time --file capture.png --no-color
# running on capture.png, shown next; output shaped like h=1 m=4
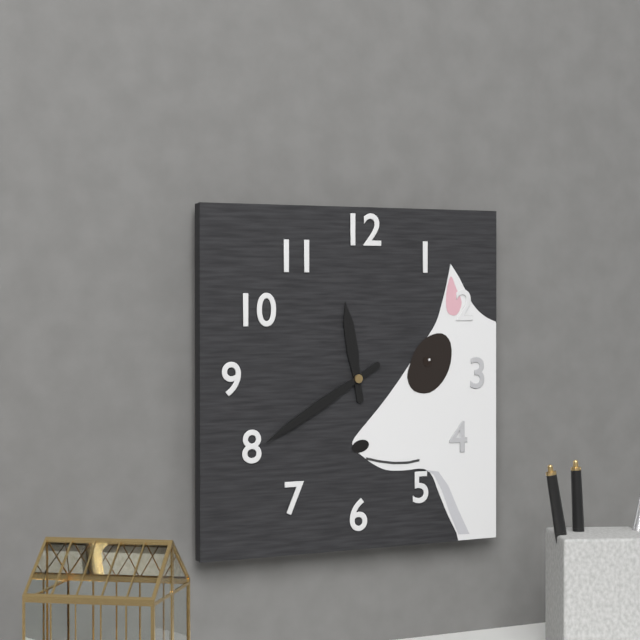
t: h=11 m=40
